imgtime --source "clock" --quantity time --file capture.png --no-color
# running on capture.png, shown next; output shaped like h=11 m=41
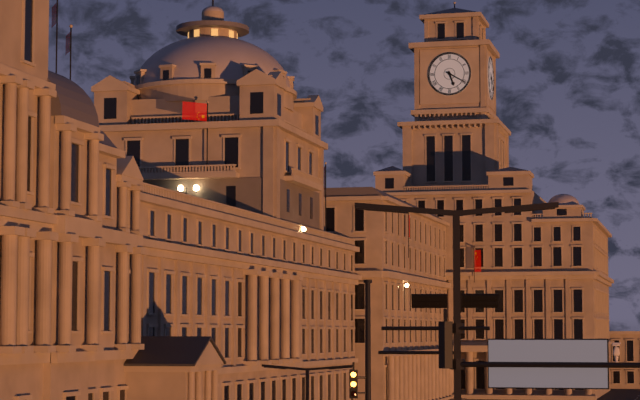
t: h=5 m=20
